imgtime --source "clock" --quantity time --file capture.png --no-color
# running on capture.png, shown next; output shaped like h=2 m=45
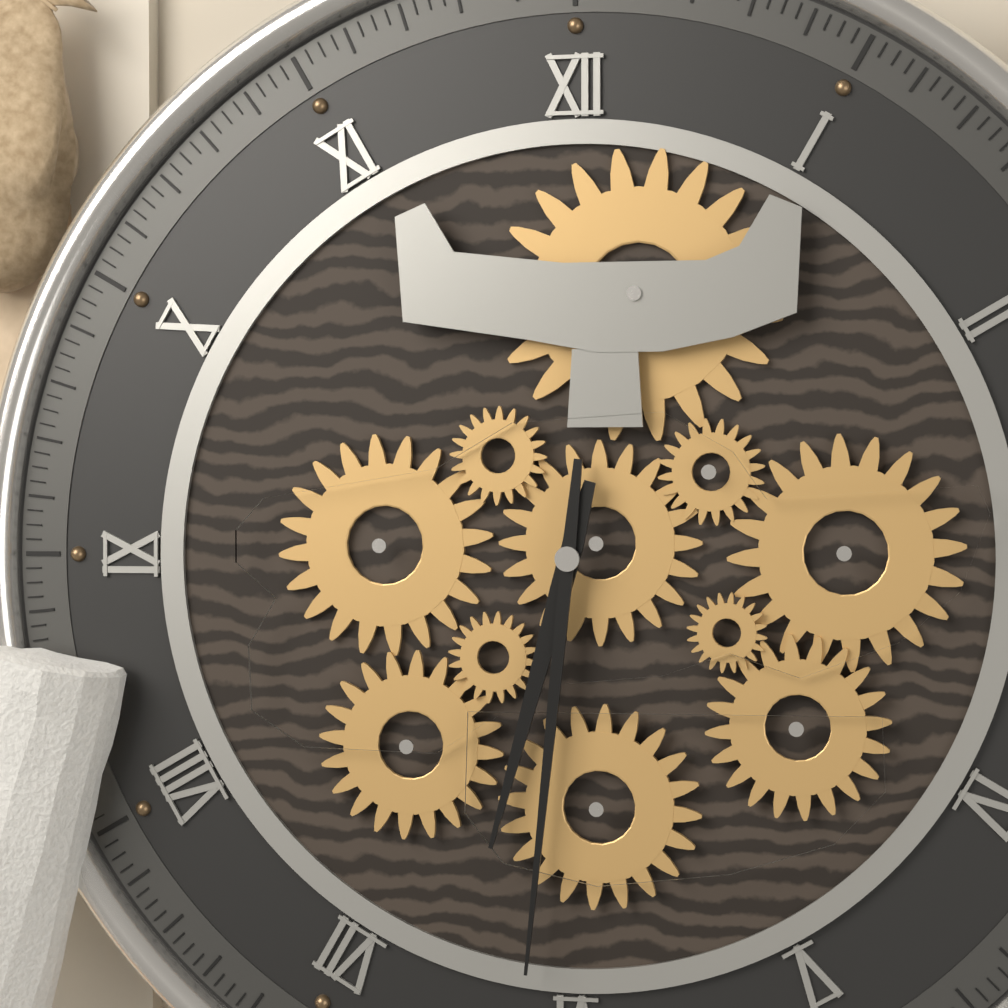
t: h=6 m=31
